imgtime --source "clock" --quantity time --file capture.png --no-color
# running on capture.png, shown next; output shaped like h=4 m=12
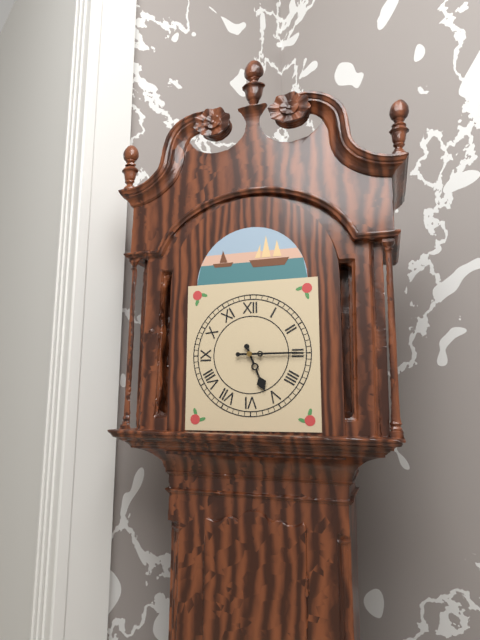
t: h=5 m=15
